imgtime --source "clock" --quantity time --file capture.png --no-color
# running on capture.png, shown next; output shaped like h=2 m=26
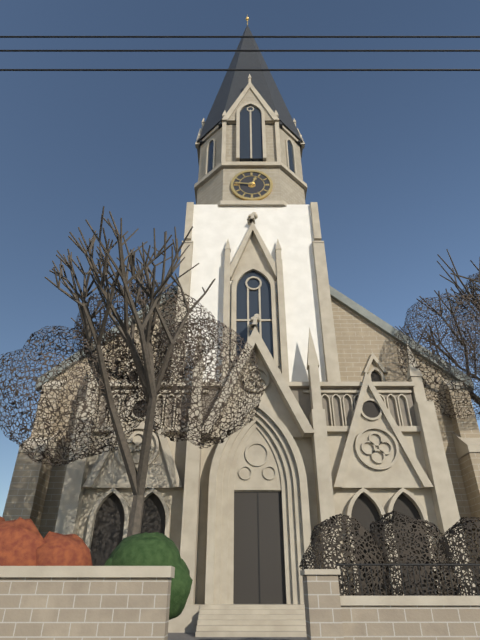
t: h=12 m=46
